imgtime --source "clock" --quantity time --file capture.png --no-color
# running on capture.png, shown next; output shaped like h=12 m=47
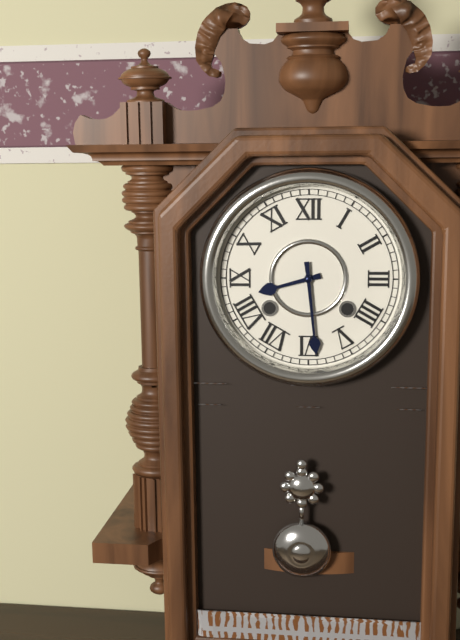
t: h=8 m=29
